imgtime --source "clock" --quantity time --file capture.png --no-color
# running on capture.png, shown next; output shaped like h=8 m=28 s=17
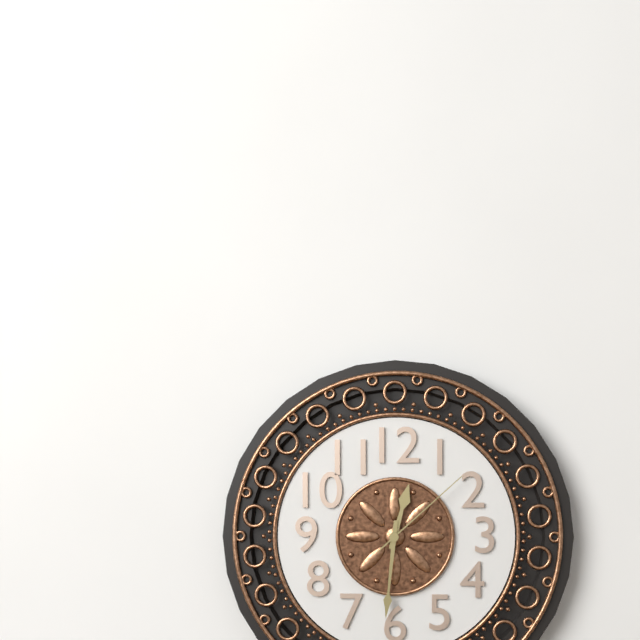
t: h=12 m=31 s=8
